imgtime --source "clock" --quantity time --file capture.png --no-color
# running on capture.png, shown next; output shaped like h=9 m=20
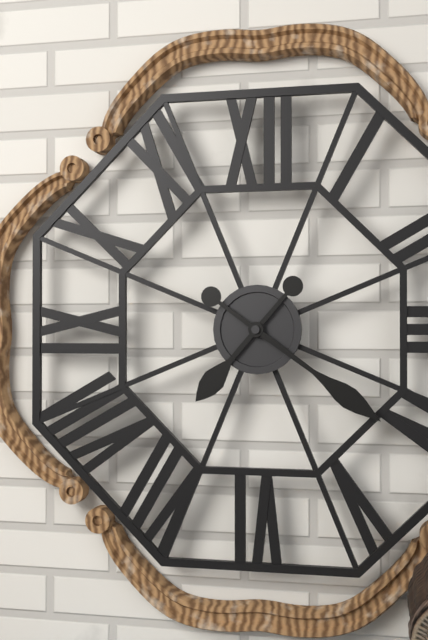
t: h=7 m=21
